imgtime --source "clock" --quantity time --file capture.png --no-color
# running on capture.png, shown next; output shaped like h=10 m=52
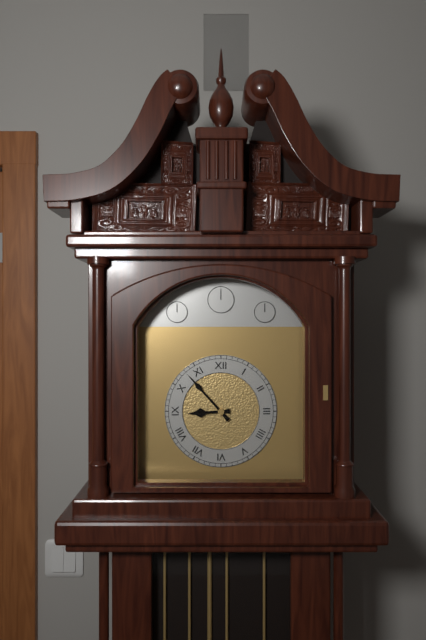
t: h=8 m=53
